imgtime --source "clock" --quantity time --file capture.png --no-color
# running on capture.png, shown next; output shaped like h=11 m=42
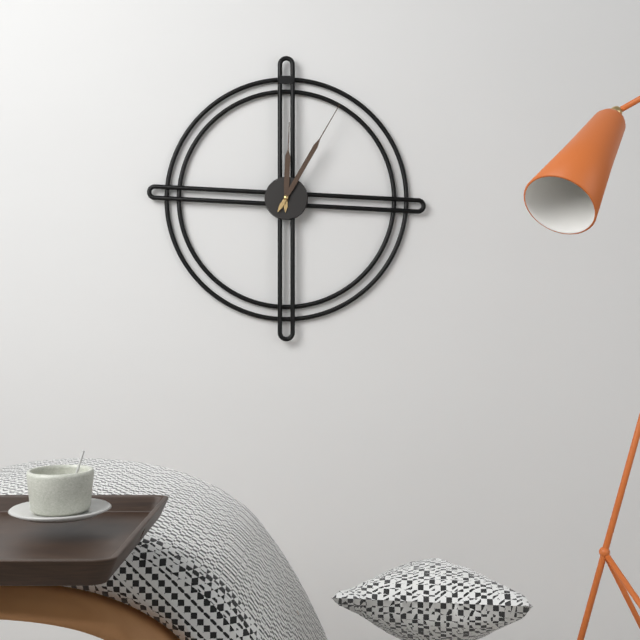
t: h=12 m=5
